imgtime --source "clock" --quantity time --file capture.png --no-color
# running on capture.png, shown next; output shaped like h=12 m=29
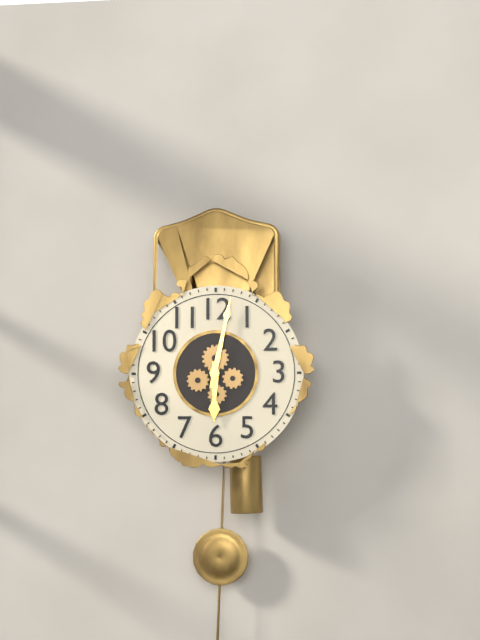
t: h=6 m=2
